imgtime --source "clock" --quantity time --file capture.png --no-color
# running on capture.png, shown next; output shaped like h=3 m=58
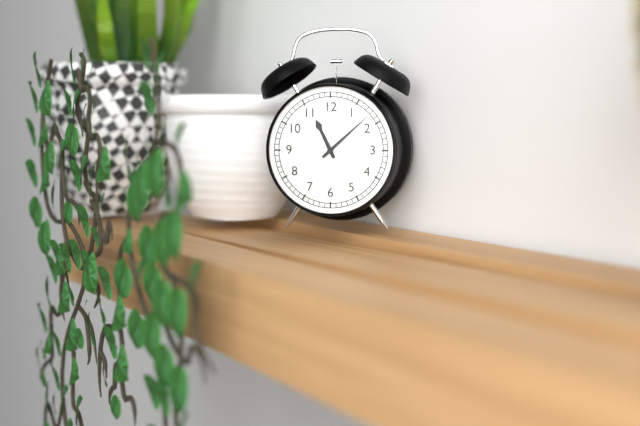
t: h=11 m=8
